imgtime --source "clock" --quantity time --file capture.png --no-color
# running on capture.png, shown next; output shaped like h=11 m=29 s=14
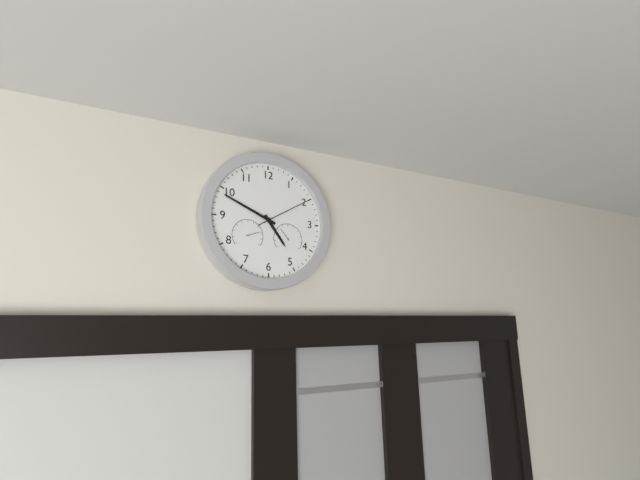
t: h=4 m=49 s=10
